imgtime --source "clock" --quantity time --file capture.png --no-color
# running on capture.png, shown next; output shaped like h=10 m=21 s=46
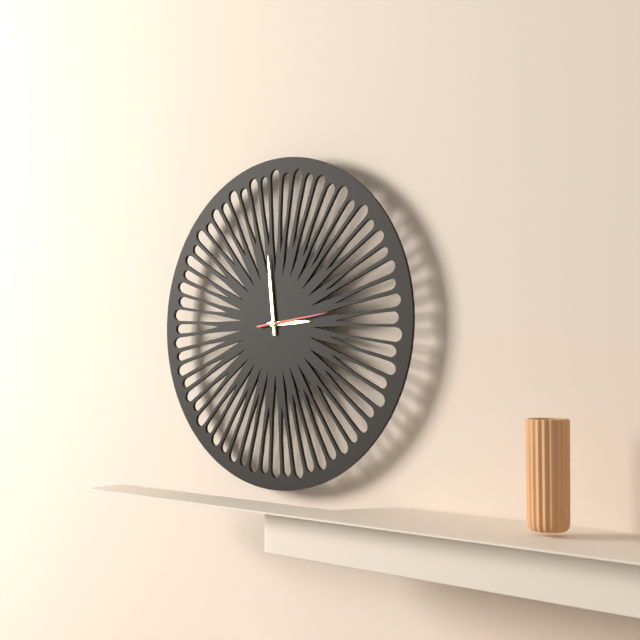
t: h=2 m=59 s=14
